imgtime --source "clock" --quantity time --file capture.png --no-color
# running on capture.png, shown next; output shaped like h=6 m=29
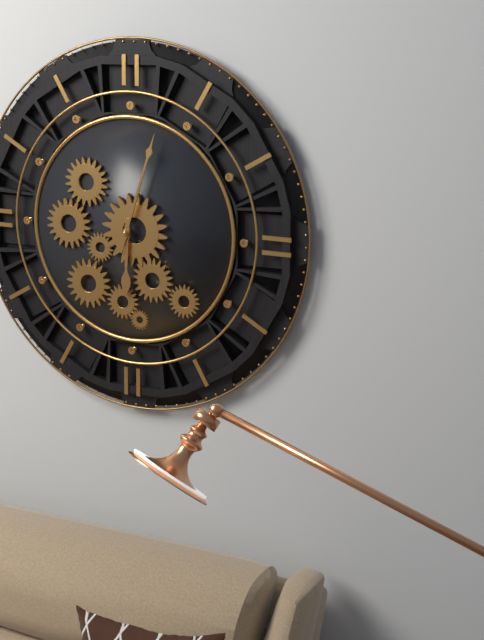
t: h=6 m=3
